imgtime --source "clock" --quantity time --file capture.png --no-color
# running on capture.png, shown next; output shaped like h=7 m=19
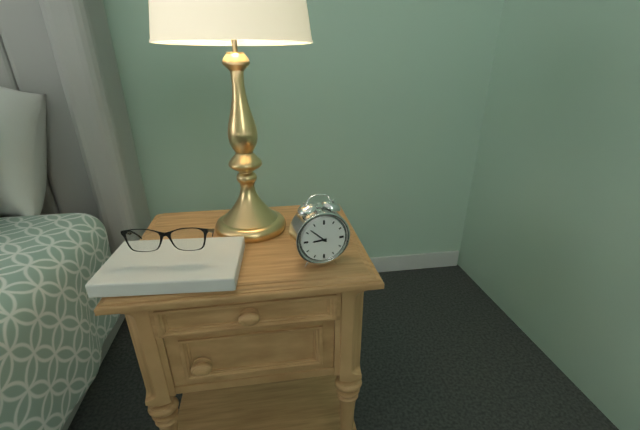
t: h=8 m=52
